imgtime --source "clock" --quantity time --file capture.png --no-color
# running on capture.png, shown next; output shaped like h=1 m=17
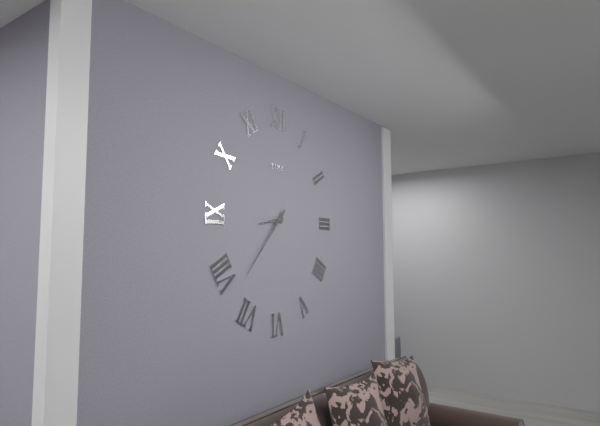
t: h=8 m=37
